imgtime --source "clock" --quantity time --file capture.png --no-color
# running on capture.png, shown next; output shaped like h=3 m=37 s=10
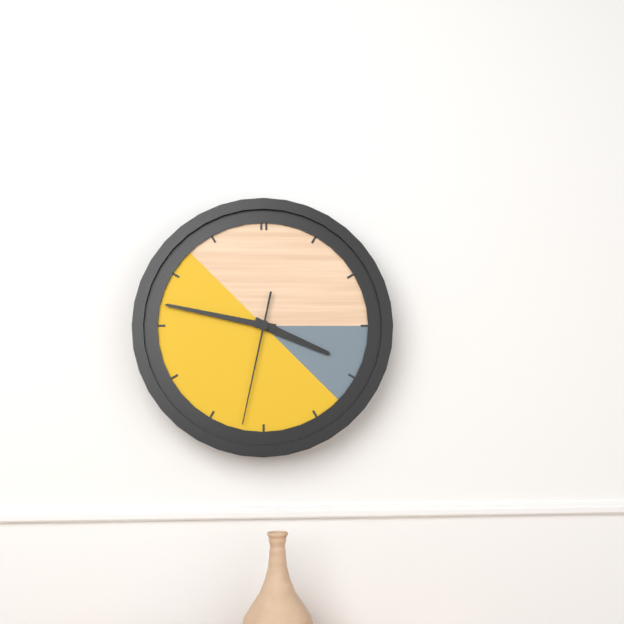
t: h=3 m=47 s=32
